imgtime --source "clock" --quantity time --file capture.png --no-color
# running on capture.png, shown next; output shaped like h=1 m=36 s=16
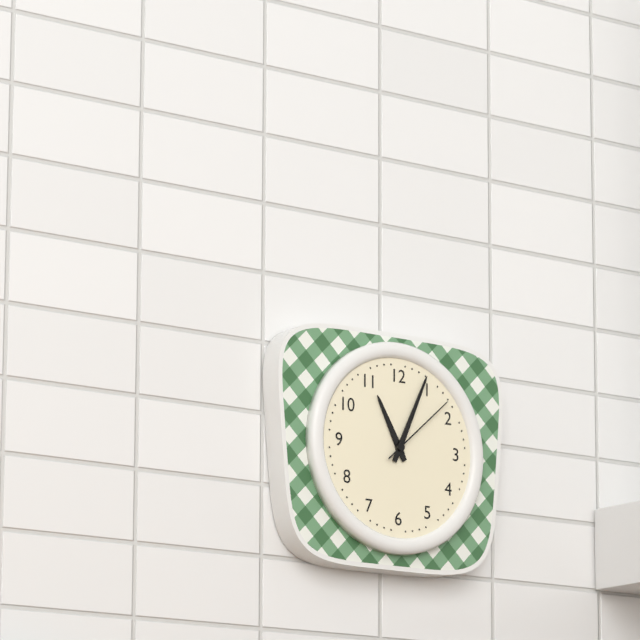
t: h=11 m=4 s=8
